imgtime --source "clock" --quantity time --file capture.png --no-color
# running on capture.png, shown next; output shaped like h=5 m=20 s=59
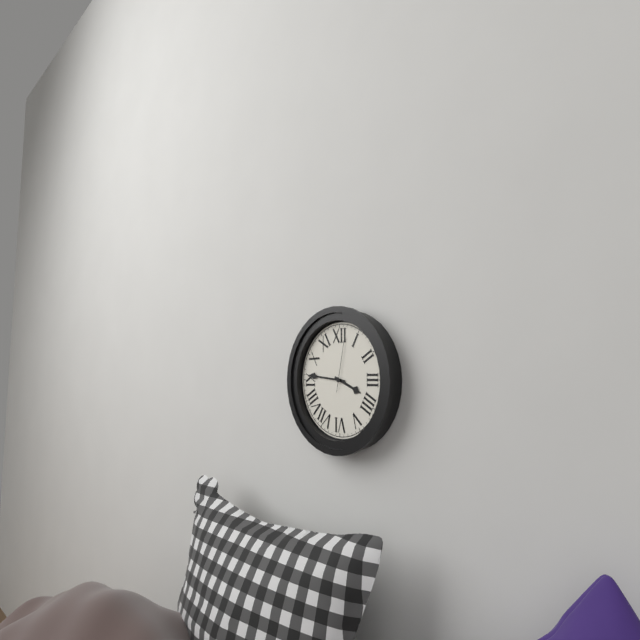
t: h=3 m=46 s=2
